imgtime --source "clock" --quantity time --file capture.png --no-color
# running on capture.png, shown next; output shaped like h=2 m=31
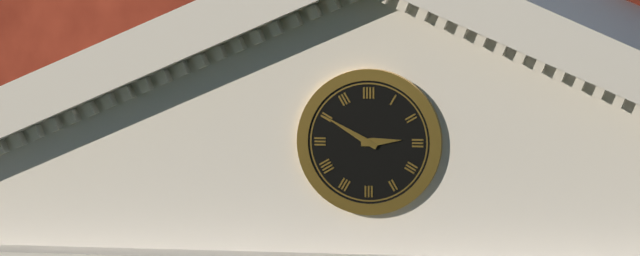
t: h=2 m=50
